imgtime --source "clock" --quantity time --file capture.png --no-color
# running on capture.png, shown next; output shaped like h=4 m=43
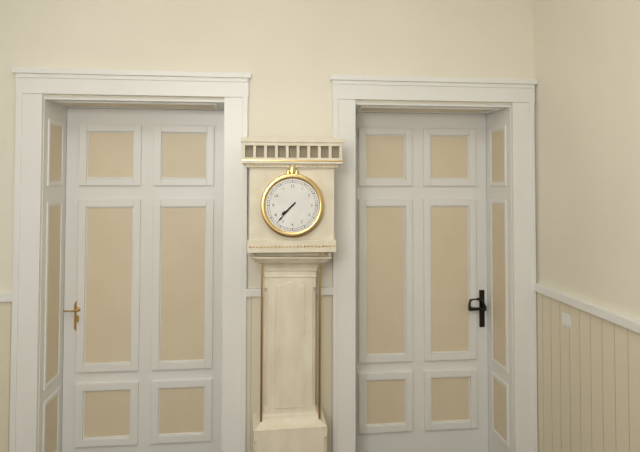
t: h=7 m=37
